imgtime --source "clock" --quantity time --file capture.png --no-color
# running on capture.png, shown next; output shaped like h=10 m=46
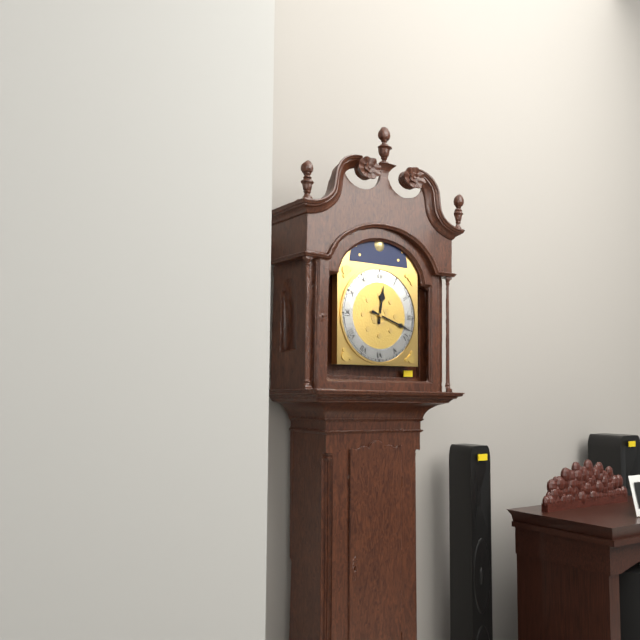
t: h=12 m=18
